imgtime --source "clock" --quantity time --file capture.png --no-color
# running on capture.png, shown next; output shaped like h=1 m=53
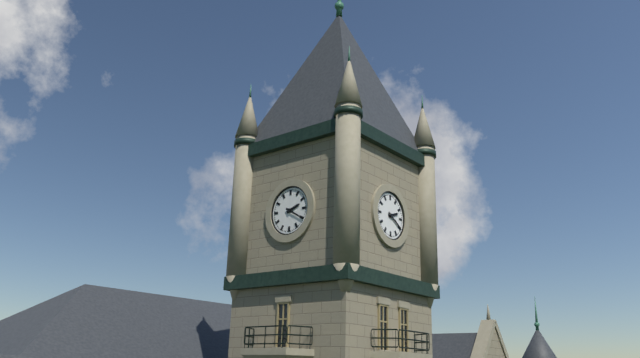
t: h=2 m=20
